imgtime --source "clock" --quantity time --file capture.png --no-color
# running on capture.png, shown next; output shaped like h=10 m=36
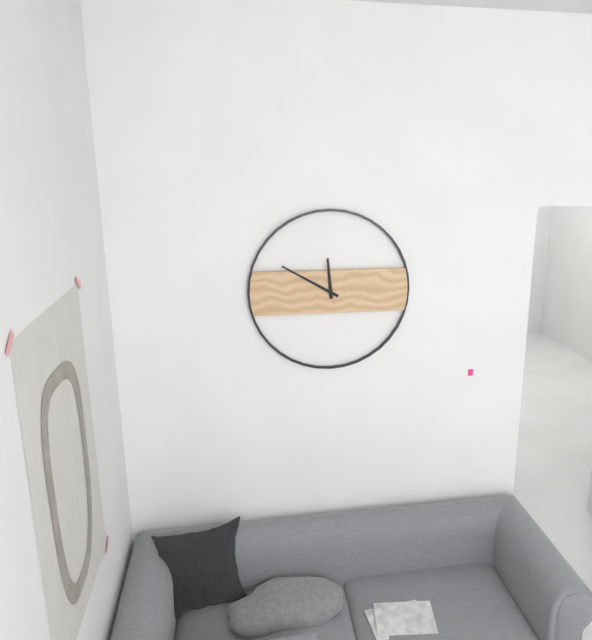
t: h=11 m=50
